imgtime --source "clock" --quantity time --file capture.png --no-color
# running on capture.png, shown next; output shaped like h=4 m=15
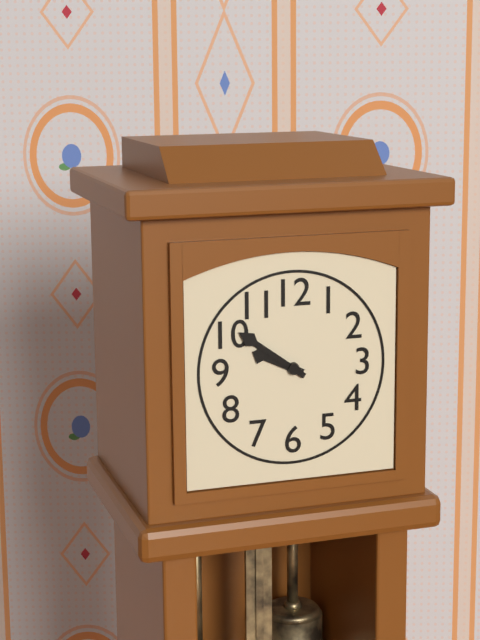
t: h=9 m=51
